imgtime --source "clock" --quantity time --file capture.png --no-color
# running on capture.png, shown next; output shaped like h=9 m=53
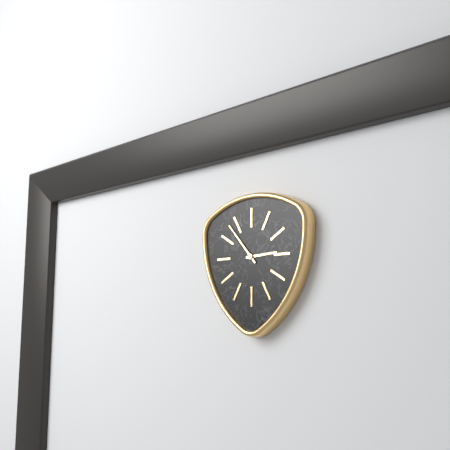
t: h=2 m=53
